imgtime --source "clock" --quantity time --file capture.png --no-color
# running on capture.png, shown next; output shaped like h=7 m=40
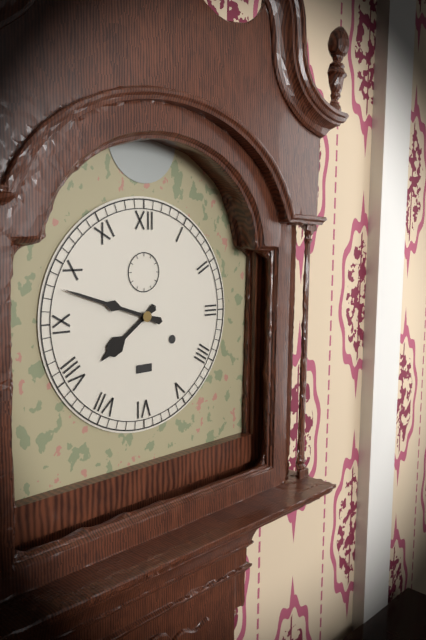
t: h=7 m=48
